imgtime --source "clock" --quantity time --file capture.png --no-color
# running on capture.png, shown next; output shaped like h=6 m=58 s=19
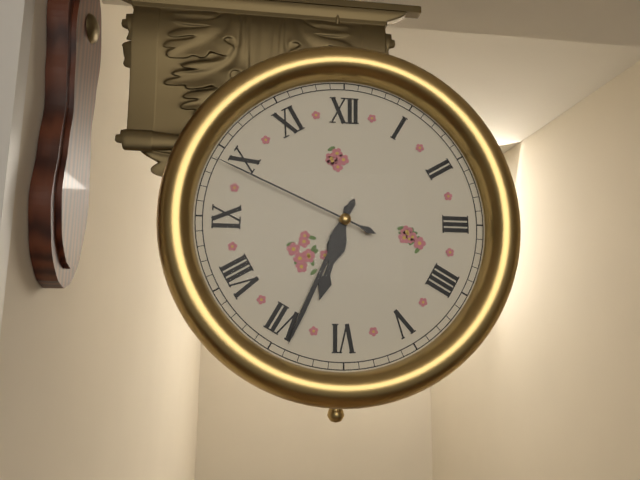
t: h=6 m=34 s=49
